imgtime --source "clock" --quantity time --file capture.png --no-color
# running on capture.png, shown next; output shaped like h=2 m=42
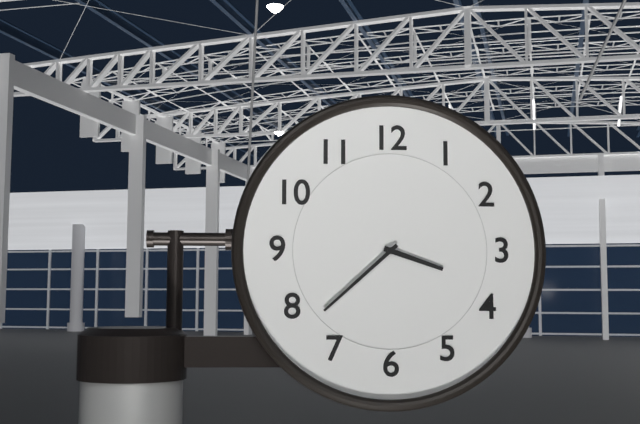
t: h=3 m=38
